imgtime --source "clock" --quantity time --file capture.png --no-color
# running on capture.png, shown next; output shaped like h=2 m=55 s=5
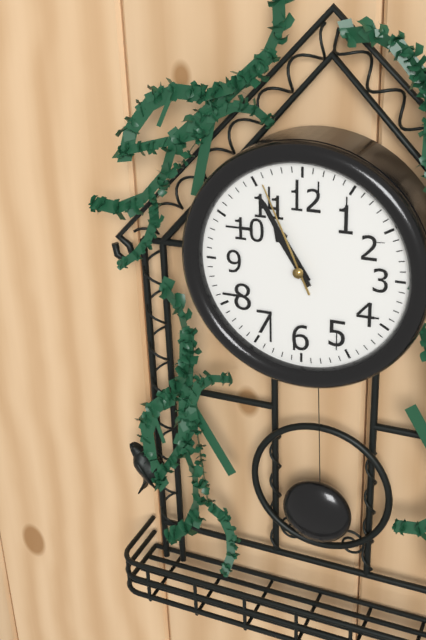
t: h=10 m=55 s=56
